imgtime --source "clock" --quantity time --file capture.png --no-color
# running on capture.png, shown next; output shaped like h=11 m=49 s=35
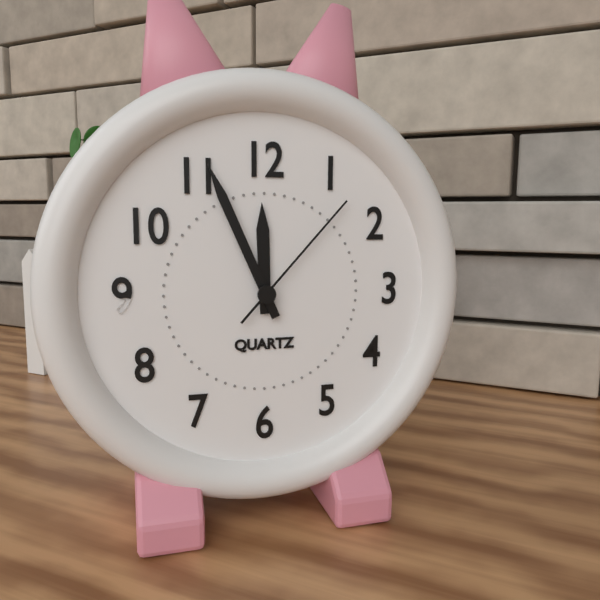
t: h=11 m=56 s=7
